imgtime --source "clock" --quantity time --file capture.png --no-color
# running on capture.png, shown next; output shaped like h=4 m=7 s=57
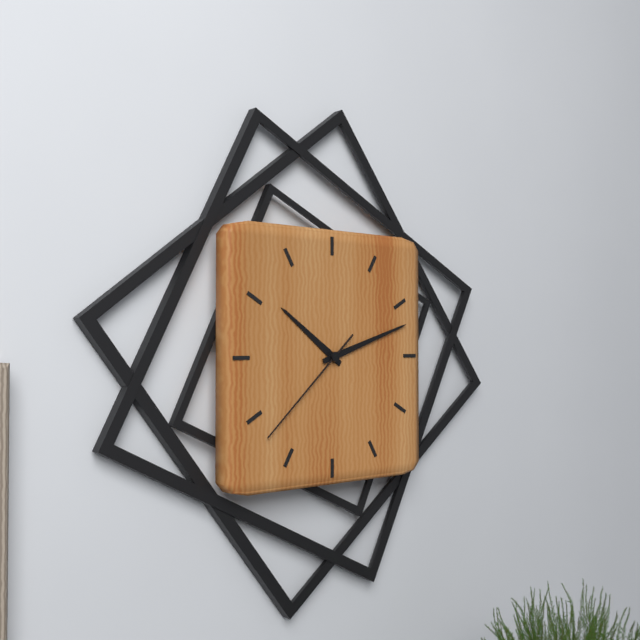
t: h=10 m=12 s=38
